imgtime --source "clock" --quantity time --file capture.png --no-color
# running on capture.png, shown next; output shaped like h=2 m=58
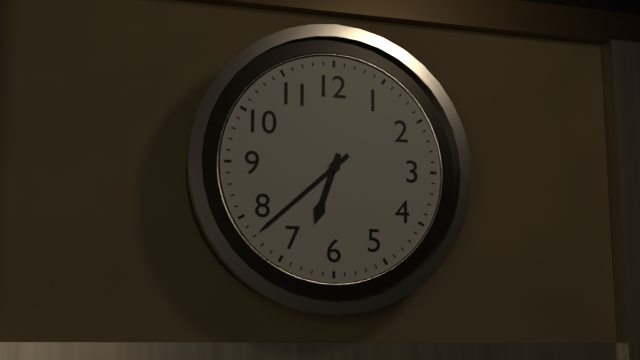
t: h=6 m=38
